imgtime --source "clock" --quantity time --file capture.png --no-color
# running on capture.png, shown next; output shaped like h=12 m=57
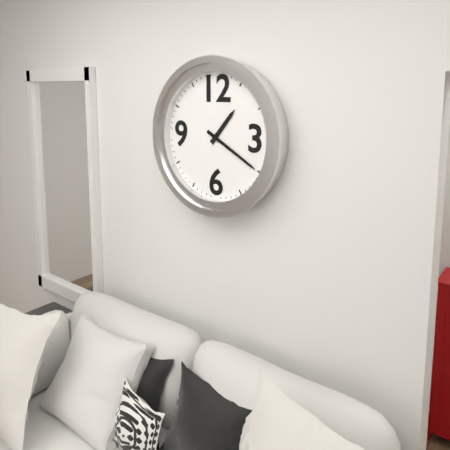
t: h=1 m=20
